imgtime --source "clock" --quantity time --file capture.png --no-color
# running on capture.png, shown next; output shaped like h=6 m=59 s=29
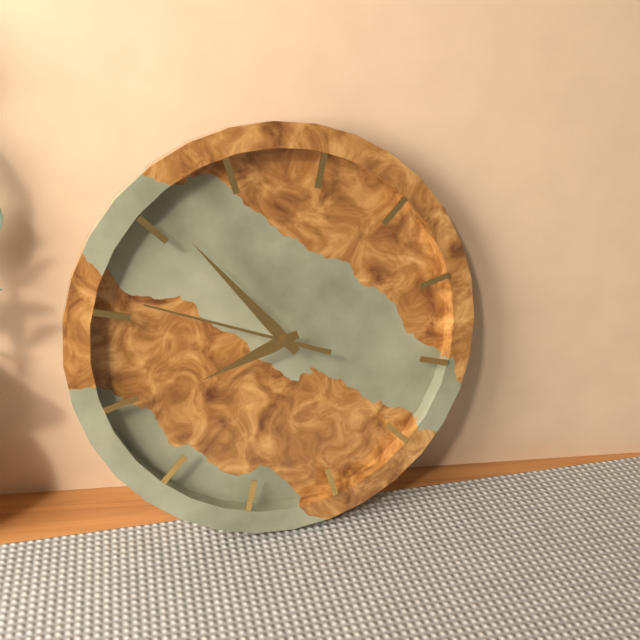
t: h=7 m=51 s=46
